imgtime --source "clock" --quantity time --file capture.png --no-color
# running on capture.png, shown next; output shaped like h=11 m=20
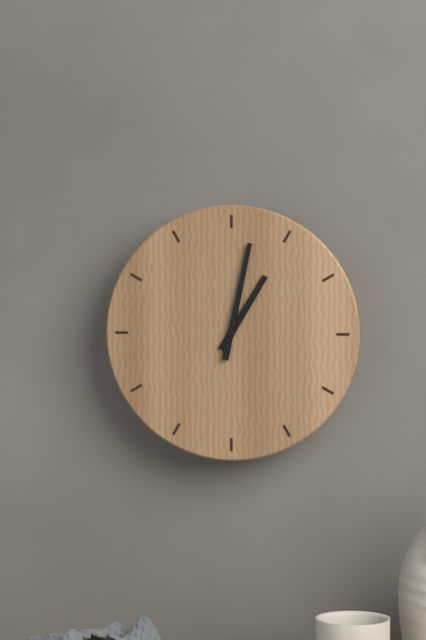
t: h=1 m=2
